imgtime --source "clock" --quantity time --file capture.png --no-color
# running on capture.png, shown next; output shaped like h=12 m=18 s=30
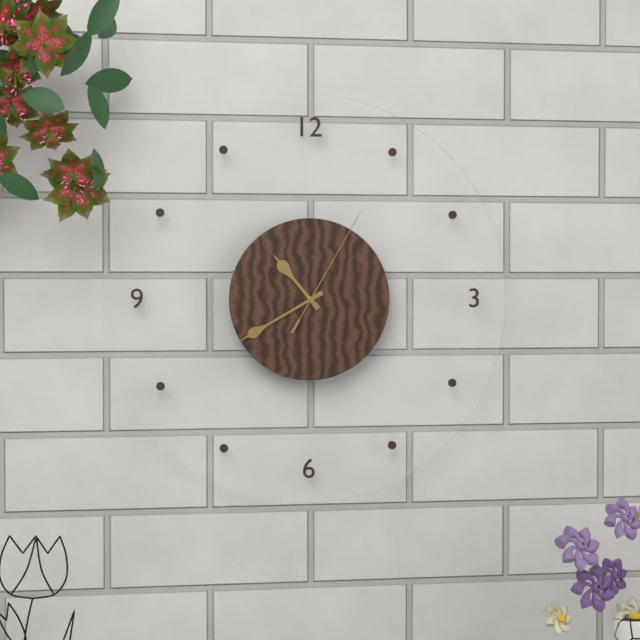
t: h=10 m=40 s=5
